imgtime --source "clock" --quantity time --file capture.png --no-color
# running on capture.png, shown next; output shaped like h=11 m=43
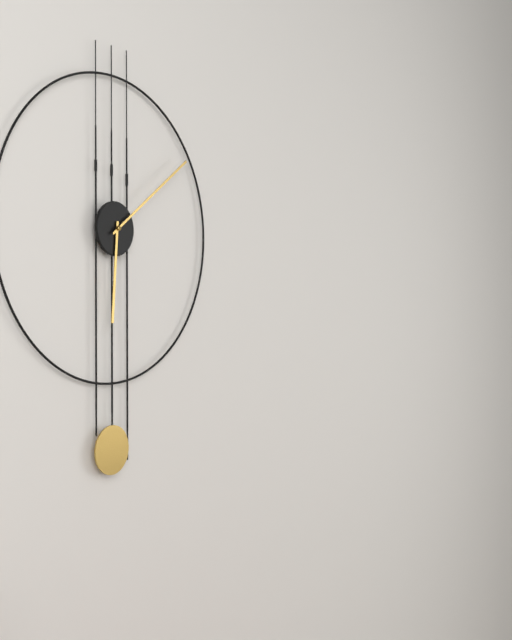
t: h=6 m=9
